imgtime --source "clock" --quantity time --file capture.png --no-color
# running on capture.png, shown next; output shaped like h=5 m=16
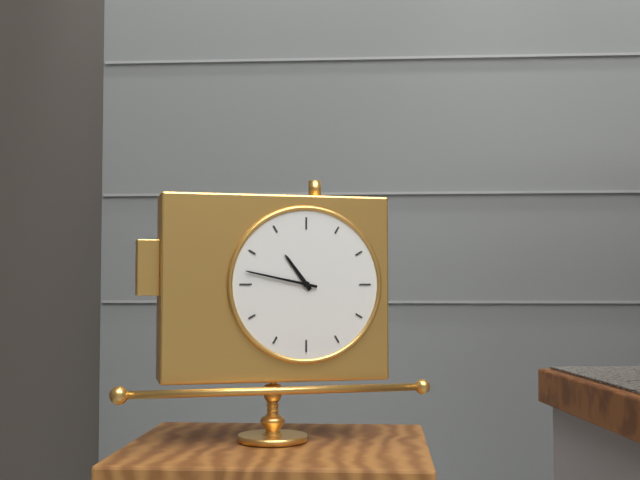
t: h=10 m=47
